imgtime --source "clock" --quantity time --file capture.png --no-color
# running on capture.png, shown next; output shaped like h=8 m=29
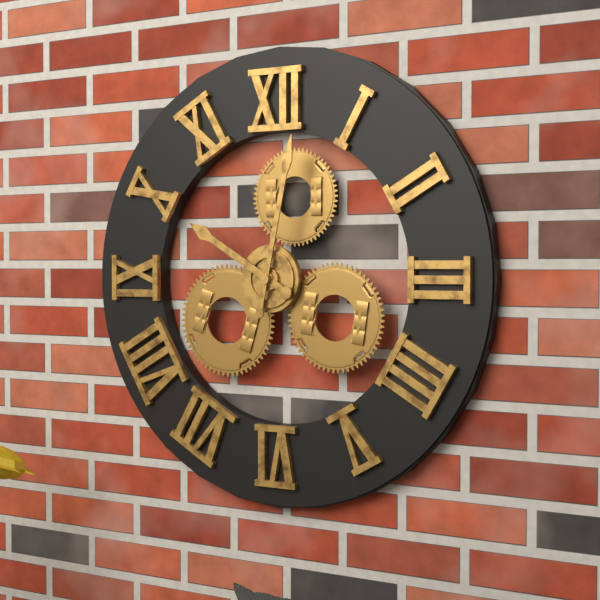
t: h=10 m=2
